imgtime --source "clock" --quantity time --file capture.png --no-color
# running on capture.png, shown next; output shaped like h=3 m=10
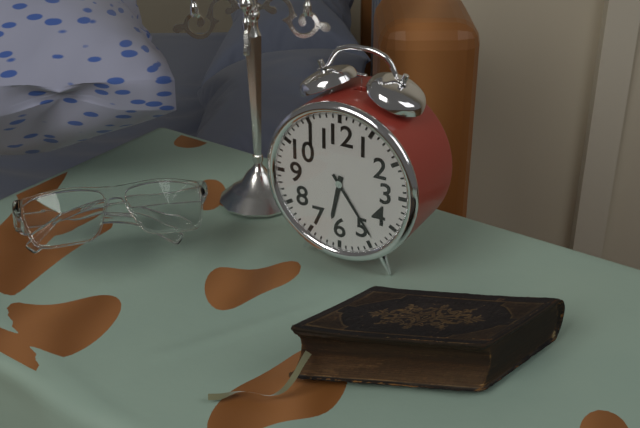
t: h=6 m=24
